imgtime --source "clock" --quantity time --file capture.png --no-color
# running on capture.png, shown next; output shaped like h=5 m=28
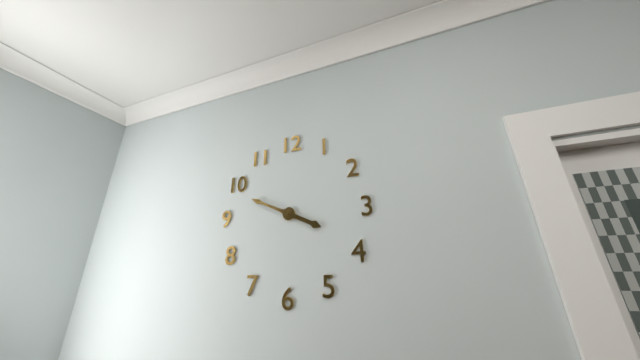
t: h=3 m=49
